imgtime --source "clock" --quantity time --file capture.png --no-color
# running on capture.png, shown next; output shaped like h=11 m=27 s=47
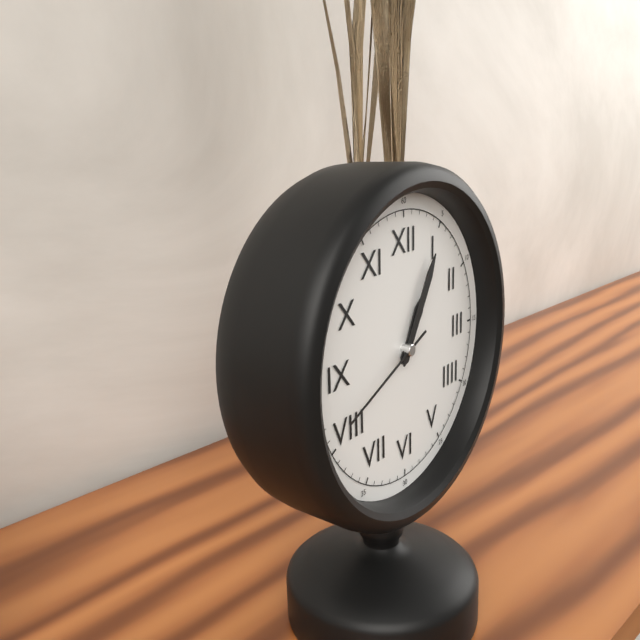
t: h=1 m=5 s=41
